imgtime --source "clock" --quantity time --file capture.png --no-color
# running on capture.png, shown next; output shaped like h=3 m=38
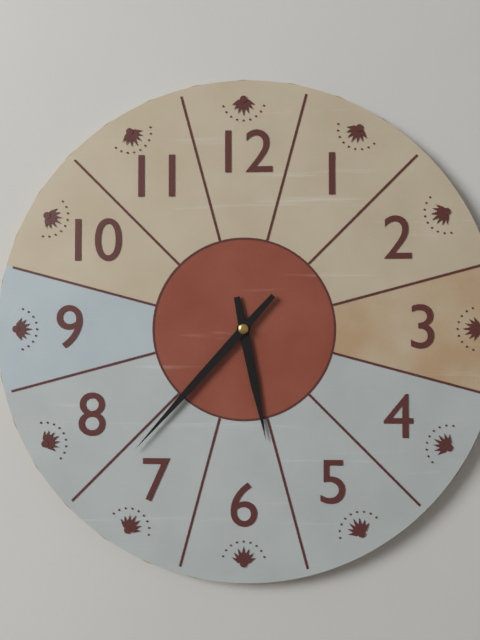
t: h=5 m=37
